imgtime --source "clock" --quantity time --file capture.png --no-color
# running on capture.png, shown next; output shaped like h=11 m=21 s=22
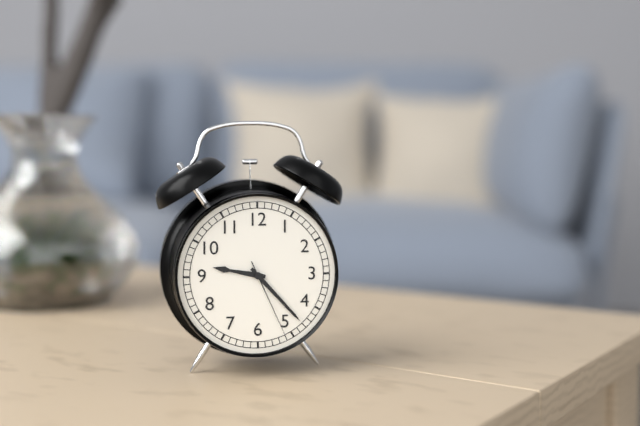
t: h=9 m=23 s=26
